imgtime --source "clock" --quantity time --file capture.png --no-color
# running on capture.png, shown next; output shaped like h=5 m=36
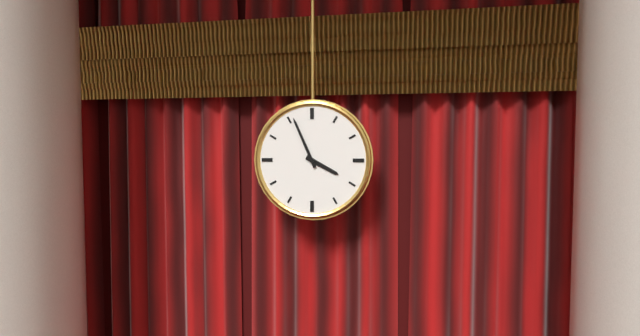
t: h=3 m=56
